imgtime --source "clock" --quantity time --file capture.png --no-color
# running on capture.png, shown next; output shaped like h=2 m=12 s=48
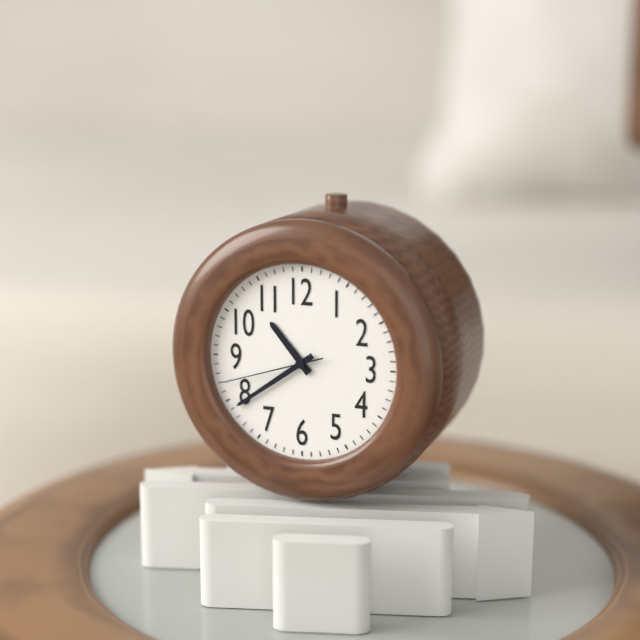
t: h=10 m=39 s=42
